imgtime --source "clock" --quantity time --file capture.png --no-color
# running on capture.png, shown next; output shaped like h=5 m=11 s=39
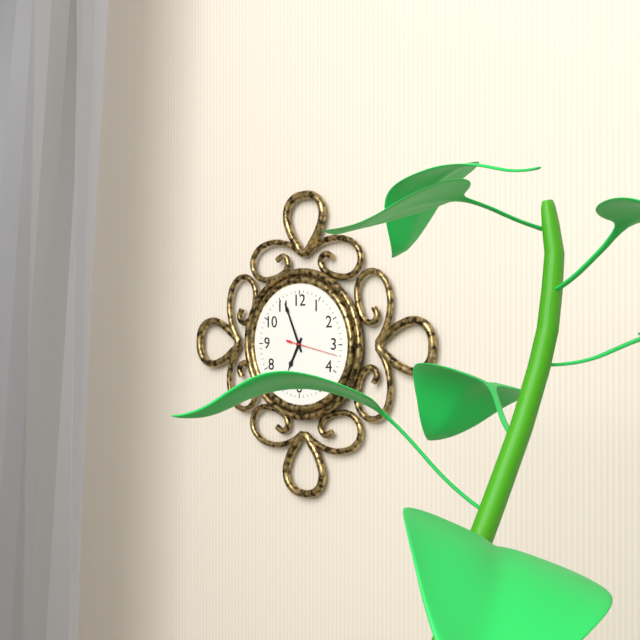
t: h=6 m=56 s=17
